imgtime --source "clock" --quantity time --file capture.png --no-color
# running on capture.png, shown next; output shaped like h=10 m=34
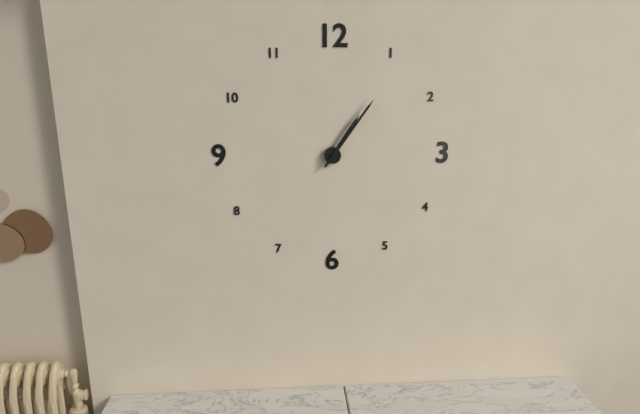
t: h=1 m=6
